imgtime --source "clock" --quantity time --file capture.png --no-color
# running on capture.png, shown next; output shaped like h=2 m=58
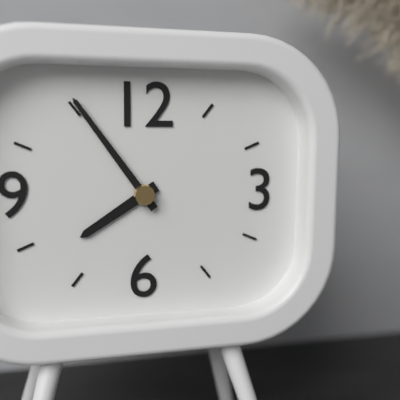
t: h=7 m=54
